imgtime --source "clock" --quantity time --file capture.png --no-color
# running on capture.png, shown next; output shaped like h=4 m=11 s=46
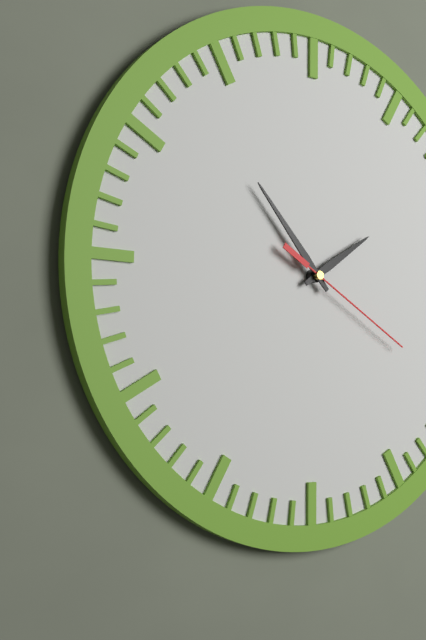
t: h=1 m=53 s=20
